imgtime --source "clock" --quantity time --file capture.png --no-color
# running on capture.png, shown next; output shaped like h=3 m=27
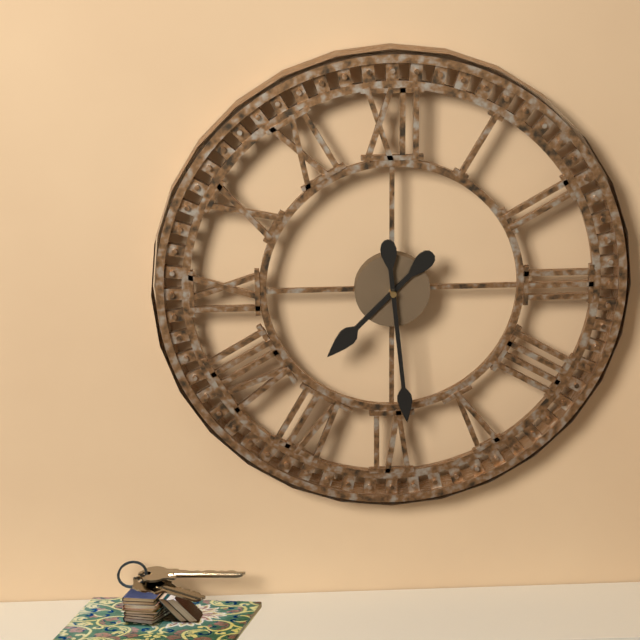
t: h=7 m=29
